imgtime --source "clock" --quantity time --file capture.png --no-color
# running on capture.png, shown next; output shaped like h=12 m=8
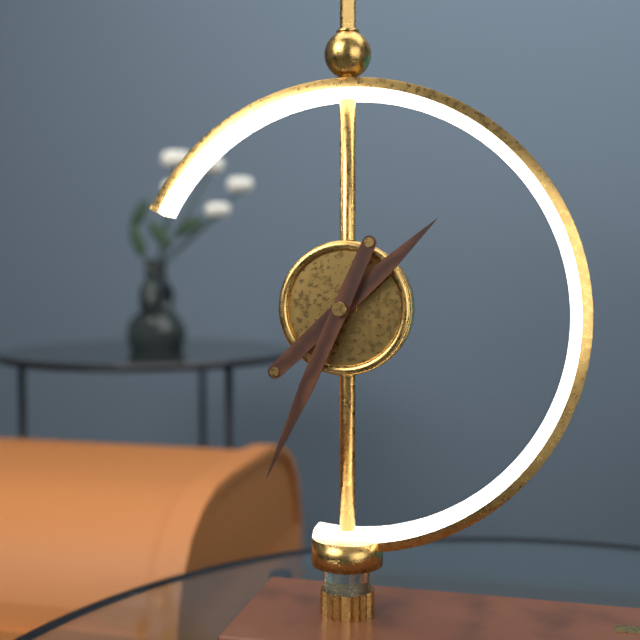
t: h=1 m=34
